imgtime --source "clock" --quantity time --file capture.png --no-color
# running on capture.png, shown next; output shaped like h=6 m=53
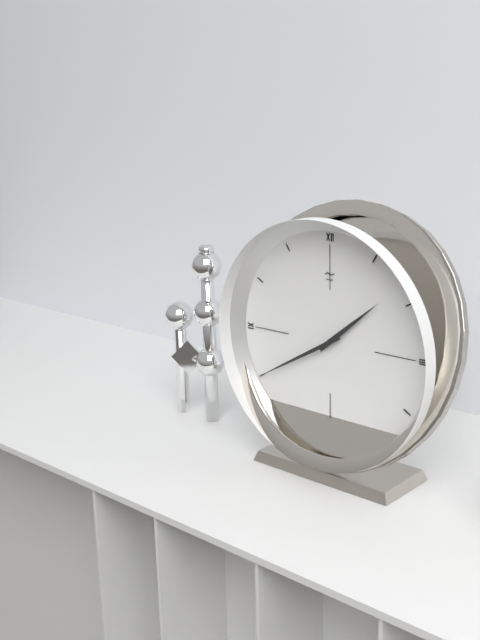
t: h=1 m=40
